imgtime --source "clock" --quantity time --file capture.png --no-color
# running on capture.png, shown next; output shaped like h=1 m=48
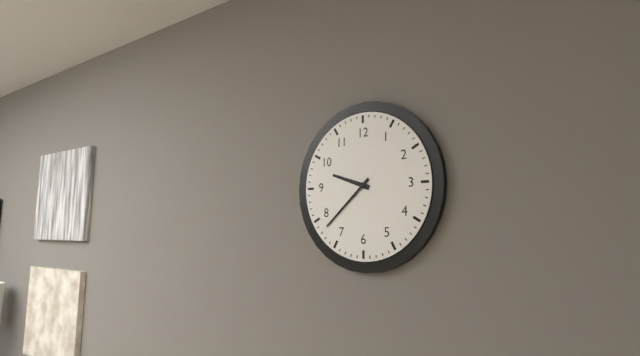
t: h=9 m=38
